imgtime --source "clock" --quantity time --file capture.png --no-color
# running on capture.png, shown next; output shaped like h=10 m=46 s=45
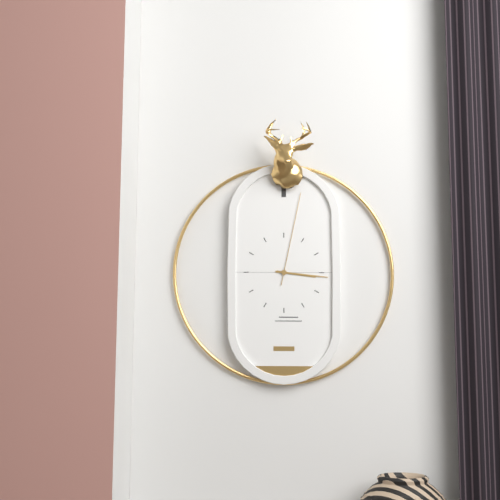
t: h=3 m=16 s=2
